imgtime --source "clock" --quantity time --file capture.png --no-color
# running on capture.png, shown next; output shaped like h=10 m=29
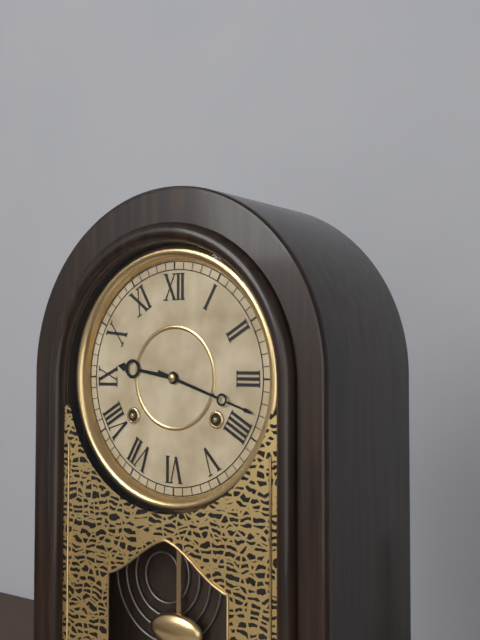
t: h=9 m=18
